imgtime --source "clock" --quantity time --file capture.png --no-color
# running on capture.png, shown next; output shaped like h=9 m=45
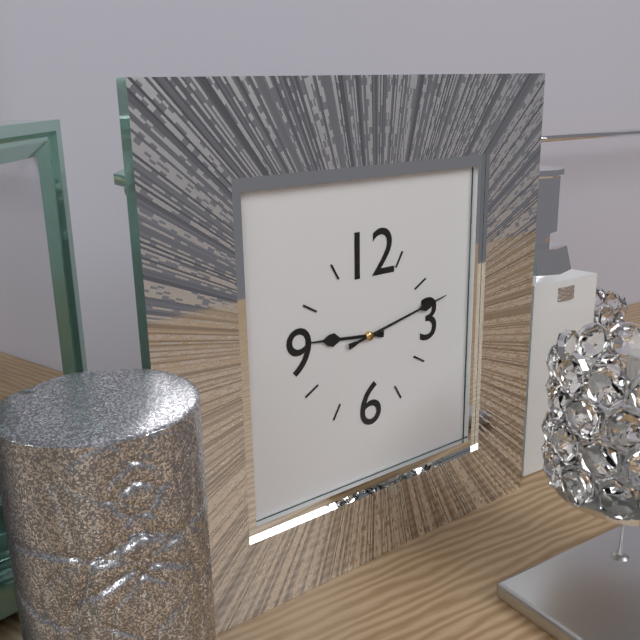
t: h=9 m=13
